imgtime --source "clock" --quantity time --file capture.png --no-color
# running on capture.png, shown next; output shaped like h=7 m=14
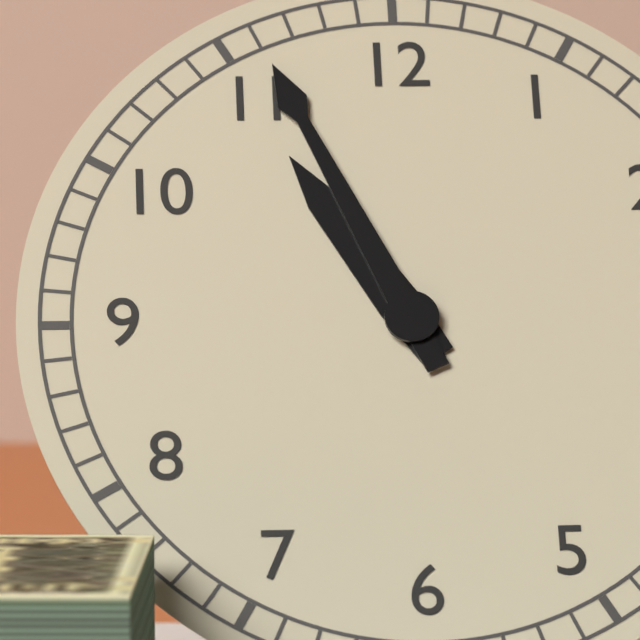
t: h=10 m=56
